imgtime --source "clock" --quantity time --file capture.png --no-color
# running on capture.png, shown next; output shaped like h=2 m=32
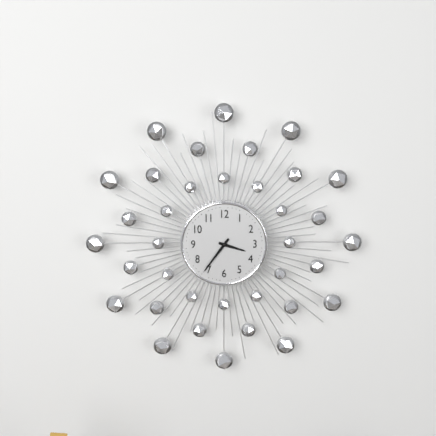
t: h=3 m=36
